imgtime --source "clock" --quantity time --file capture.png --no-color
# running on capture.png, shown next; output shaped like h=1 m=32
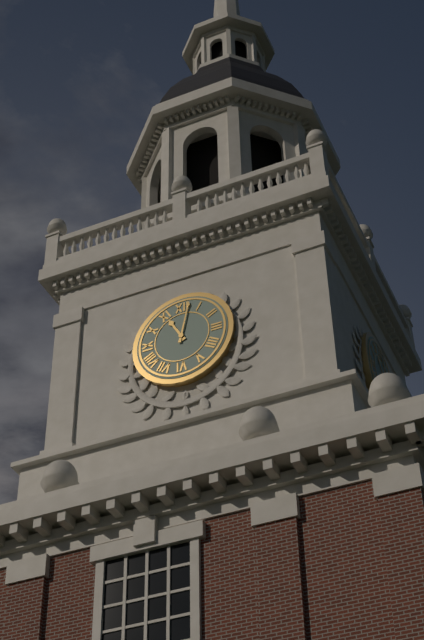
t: h=11 m=2
